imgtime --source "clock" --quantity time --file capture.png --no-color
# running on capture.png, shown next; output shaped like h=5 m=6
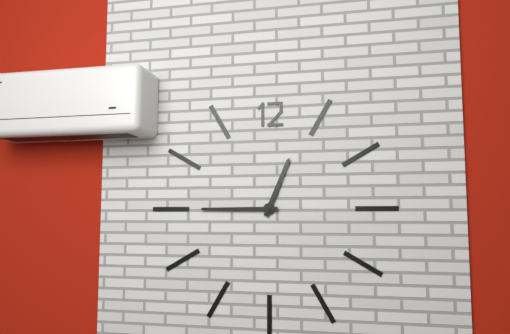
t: h=12 m=45
